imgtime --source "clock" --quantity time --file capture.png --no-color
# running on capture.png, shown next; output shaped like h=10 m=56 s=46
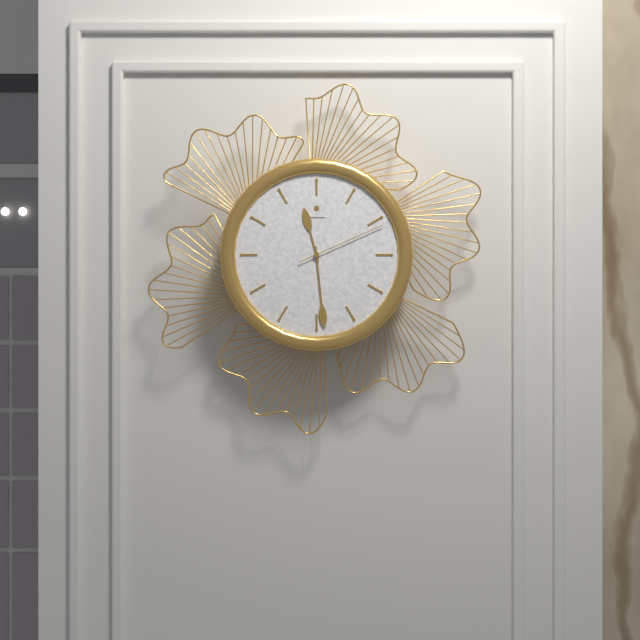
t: h=11 m=29 s=11
